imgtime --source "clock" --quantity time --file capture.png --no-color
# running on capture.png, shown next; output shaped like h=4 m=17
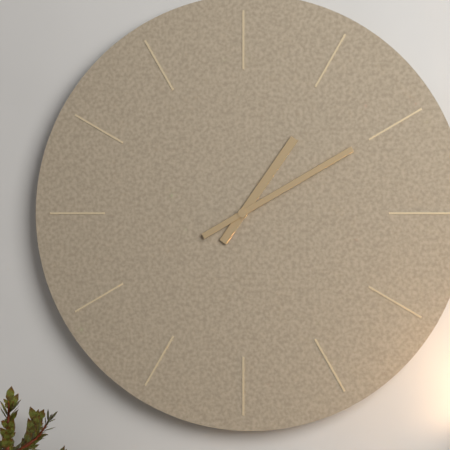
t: h=1 m=10
